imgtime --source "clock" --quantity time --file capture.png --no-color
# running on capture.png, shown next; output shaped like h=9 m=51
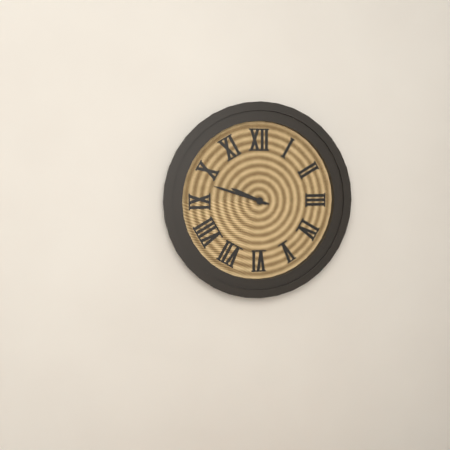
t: h=9 m=48
